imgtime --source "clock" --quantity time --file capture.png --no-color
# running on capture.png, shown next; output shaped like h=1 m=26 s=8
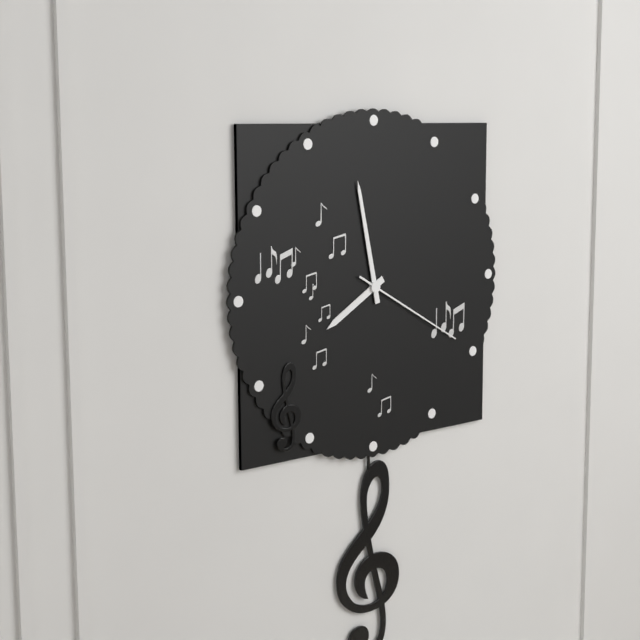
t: h=7 m=58 s=20
